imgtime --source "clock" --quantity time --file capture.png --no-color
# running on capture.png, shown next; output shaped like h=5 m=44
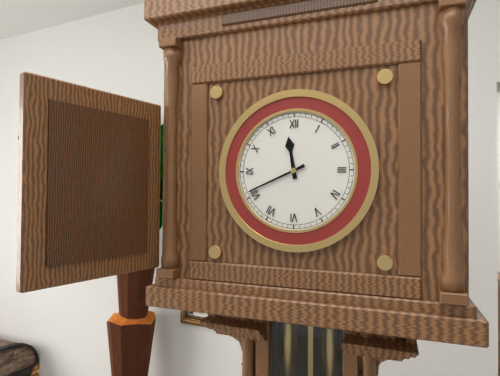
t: h=11 m=41
